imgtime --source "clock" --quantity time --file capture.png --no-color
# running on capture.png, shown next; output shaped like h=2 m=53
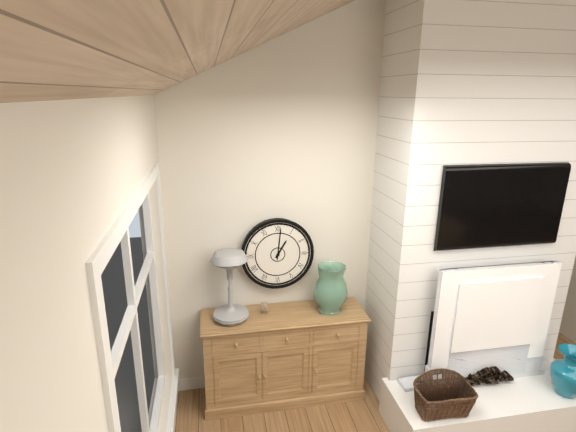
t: h=1 m=1
